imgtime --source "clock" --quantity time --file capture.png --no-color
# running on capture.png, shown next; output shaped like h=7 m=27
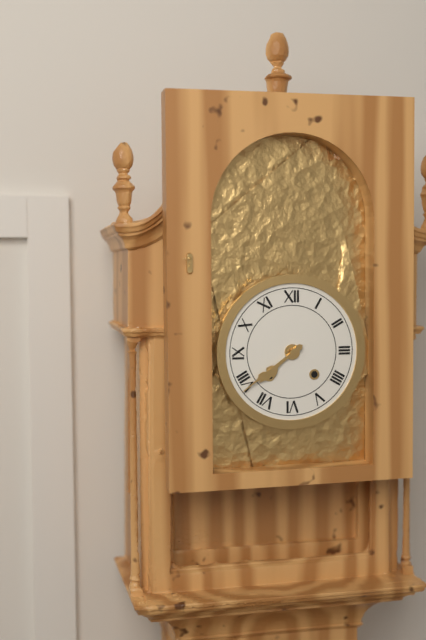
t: h=7 m=39
